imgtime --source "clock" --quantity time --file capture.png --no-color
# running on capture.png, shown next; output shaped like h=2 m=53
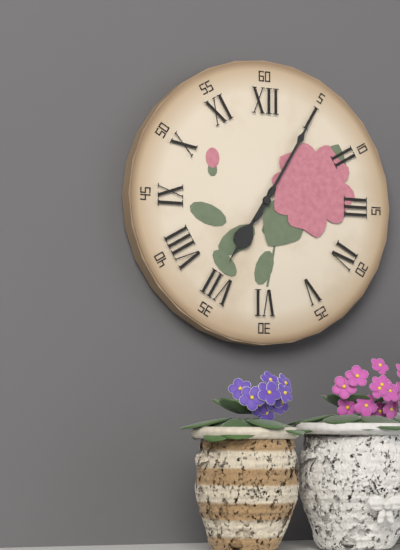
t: h=7 m=5
